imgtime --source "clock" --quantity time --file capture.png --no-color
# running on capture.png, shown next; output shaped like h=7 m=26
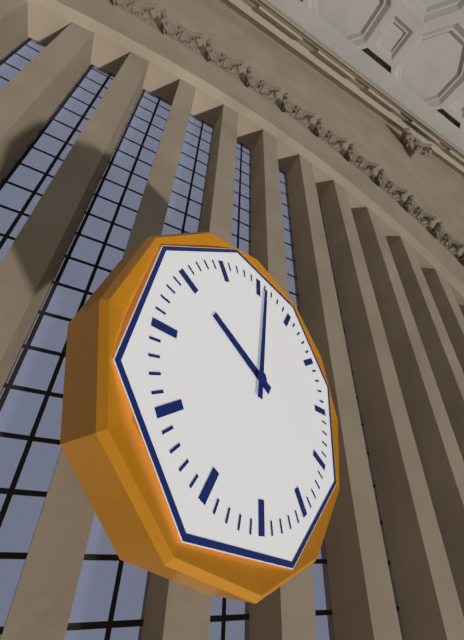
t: h=10 m=1
